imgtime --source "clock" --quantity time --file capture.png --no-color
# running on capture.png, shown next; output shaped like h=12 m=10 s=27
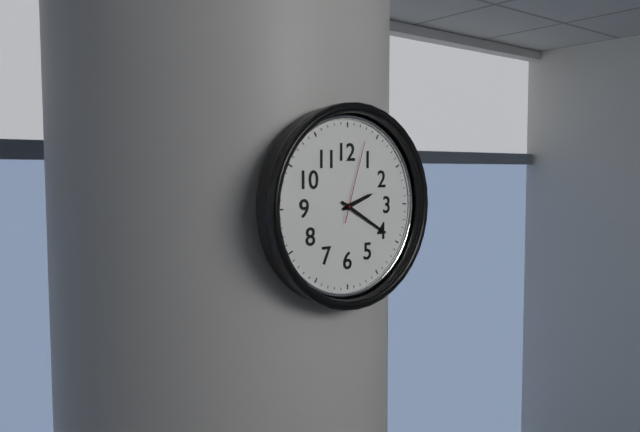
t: h=2 m=20 s=3
